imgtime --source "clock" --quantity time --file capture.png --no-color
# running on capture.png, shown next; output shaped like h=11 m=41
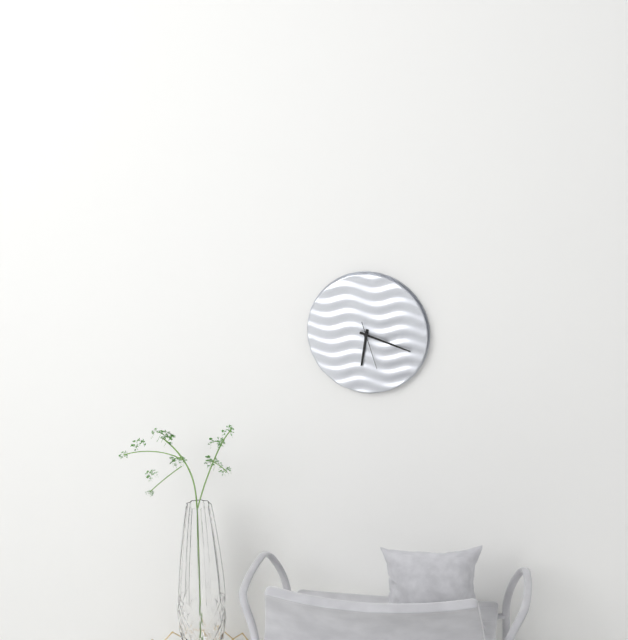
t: h=6 m=18
